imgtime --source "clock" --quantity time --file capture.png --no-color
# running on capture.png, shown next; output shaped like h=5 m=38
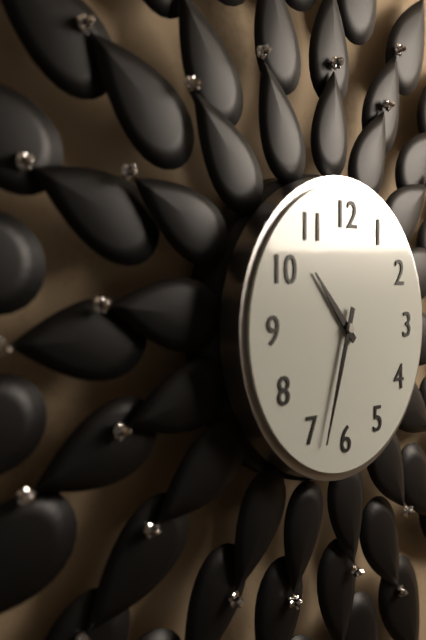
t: h=10 m=33
